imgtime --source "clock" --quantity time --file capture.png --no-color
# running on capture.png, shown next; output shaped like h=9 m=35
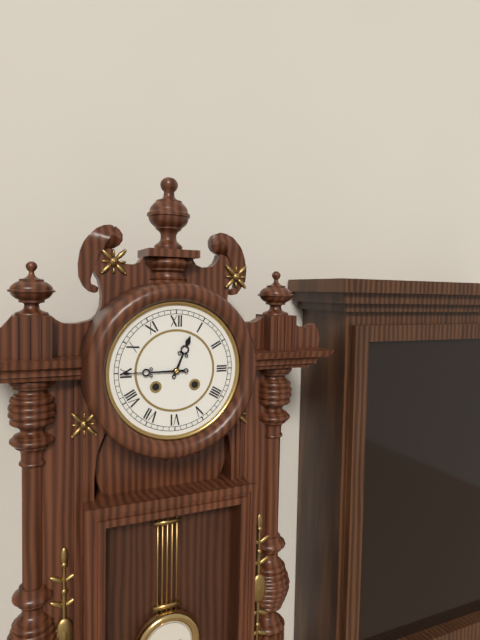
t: h=12 m=45
